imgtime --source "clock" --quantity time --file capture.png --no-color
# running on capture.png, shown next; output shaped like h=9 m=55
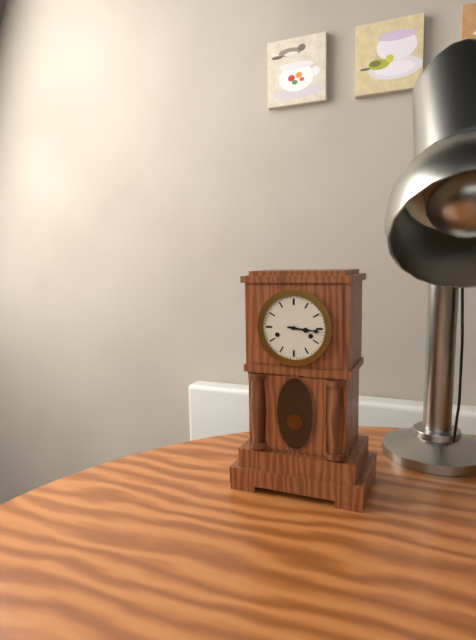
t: h=3 m=16
